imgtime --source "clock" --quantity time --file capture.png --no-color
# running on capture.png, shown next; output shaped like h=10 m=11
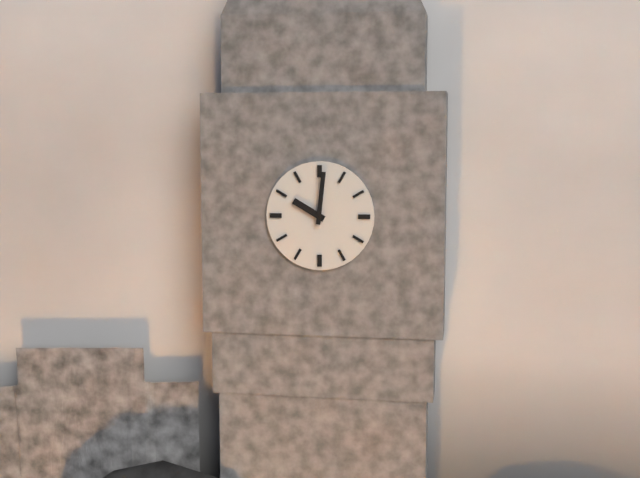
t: h=10 m=1
